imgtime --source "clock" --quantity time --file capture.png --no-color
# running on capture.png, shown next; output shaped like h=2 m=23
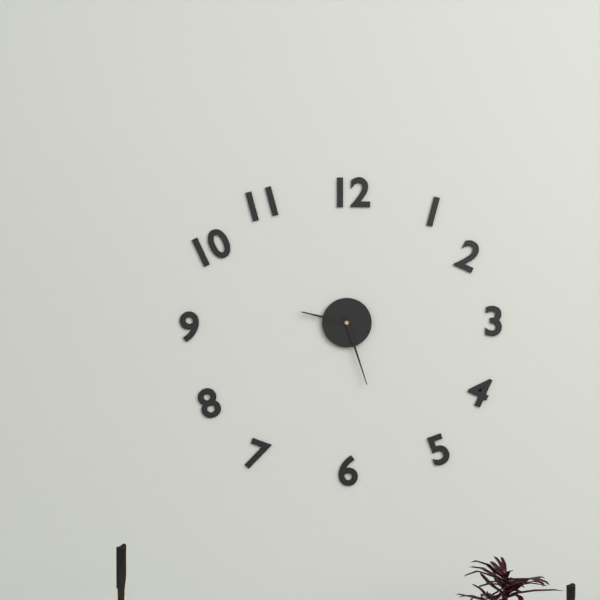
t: h=9 m=27
